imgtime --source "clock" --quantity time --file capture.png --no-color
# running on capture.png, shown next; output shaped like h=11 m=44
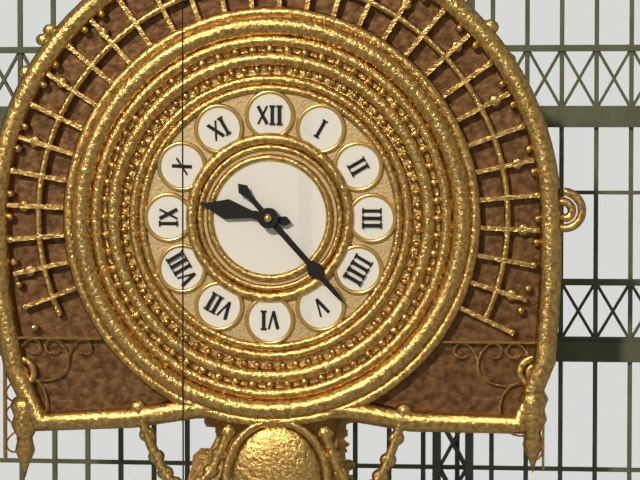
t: h=9 m=23
